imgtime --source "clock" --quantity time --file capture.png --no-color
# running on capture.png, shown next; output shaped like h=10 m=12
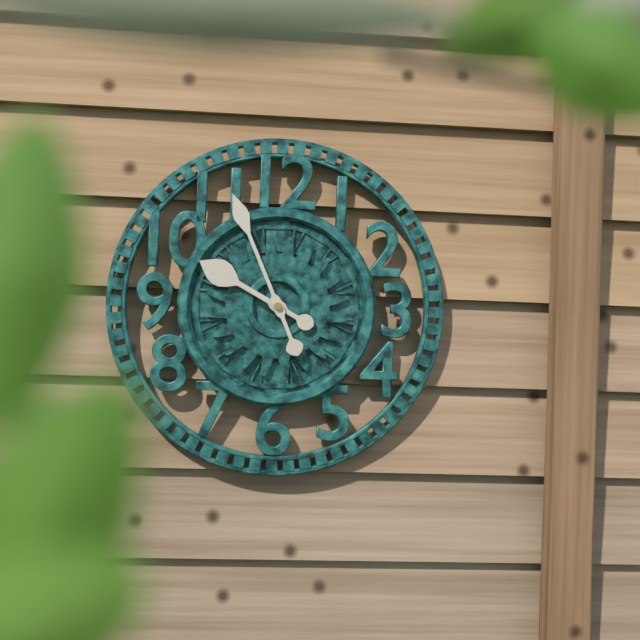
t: h=9 m=56
